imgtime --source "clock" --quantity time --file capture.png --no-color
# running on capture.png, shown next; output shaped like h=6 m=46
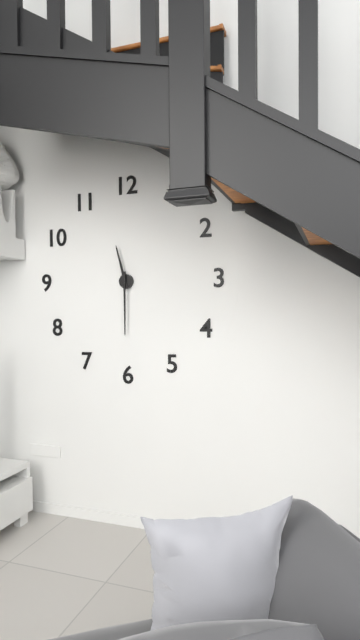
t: h=11 m=30
